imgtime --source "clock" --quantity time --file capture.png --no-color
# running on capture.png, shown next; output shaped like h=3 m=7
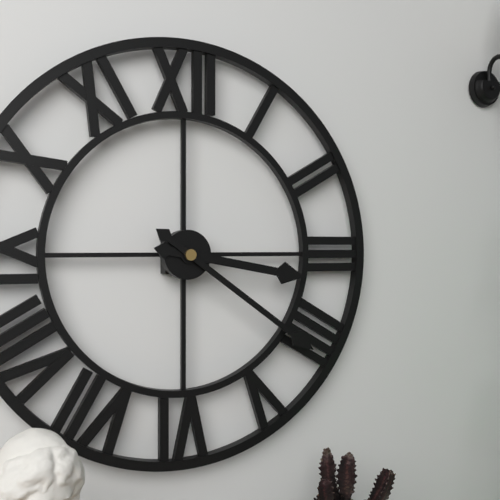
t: h=3 m=21
